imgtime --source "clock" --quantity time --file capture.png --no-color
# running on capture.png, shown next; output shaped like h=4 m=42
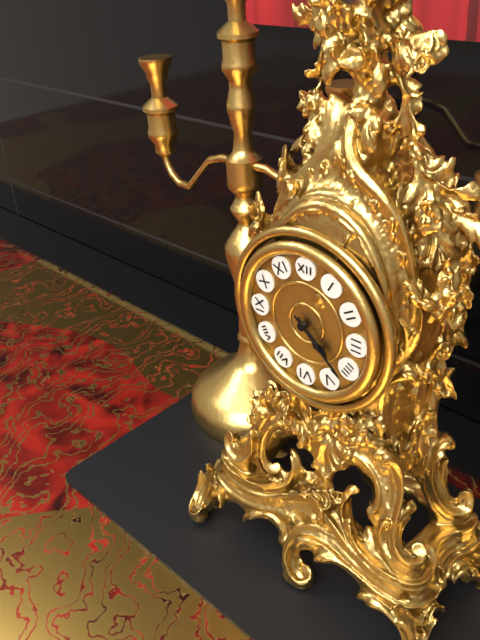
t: h=4 m=22
